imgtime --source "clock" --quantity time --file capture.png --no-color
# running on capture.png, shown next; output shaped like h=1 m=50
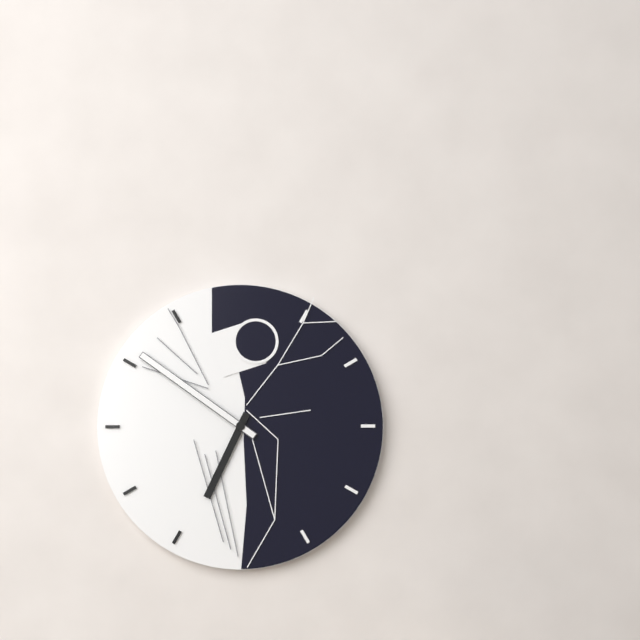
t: h=6 m=51
